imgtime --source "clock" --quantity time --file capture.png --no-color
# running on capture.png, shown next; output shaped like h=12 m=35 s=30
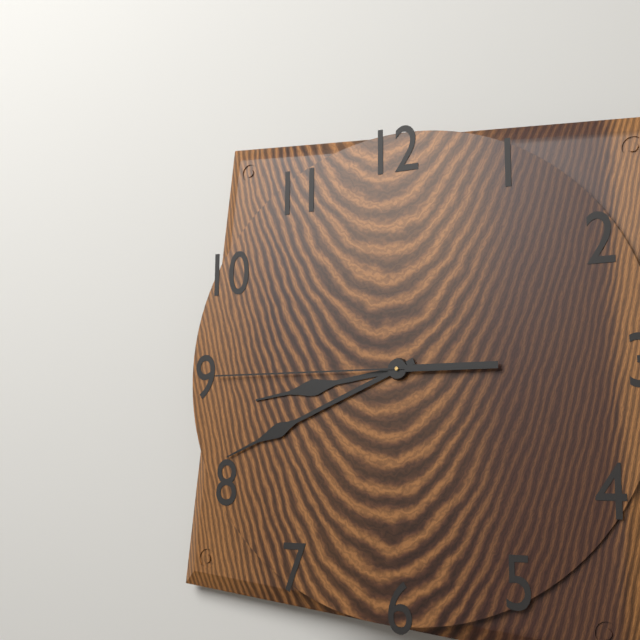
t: h=8 m=41 s=45
